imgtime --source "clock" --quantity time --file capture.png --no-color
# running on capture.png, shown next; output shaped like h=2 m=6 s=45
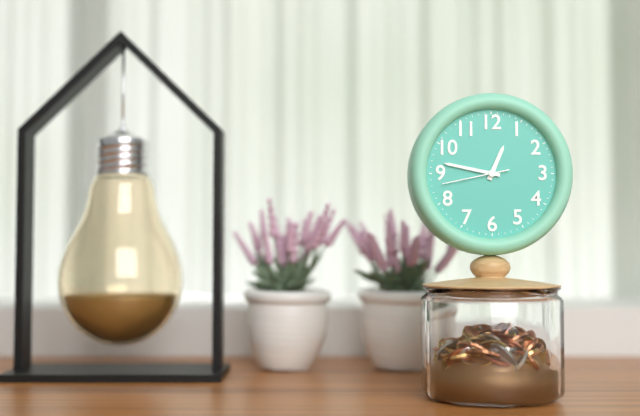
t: h=12 m=47 s=43
